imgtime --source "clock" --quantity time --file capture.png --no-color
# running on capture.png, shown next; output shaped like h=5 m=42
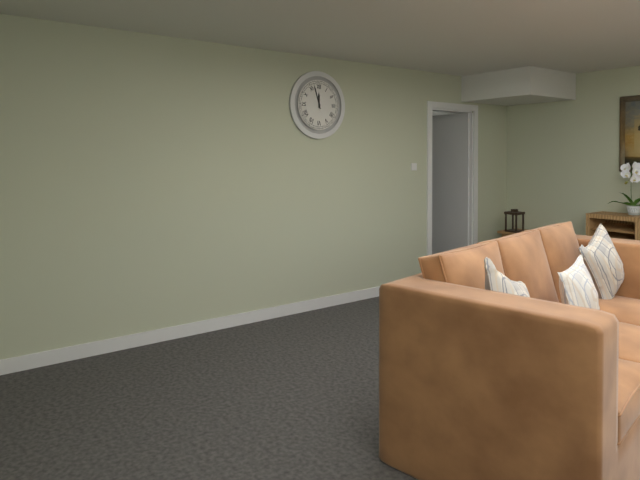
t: h=11 m=57
